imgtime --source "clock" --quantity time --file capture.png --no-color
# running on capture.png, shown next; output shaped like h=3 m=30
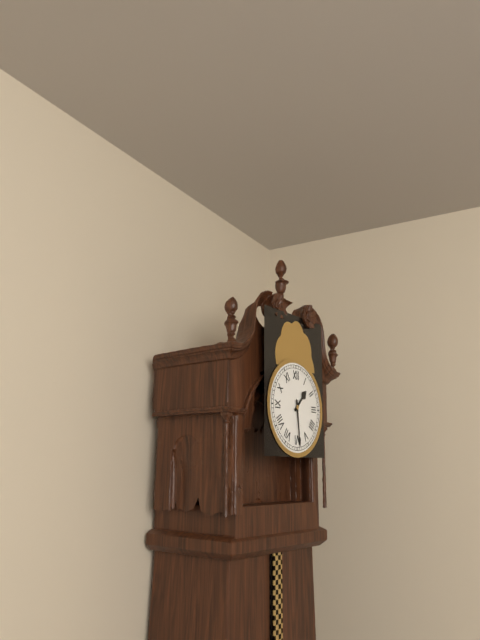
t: h=1 m=29
